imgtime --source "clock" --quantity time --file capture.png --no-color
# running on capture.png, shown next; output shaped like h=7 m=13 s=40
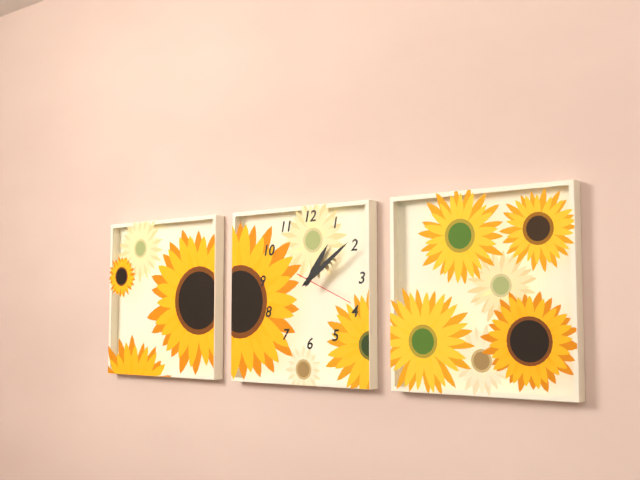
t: h=1 m=9 s=19
